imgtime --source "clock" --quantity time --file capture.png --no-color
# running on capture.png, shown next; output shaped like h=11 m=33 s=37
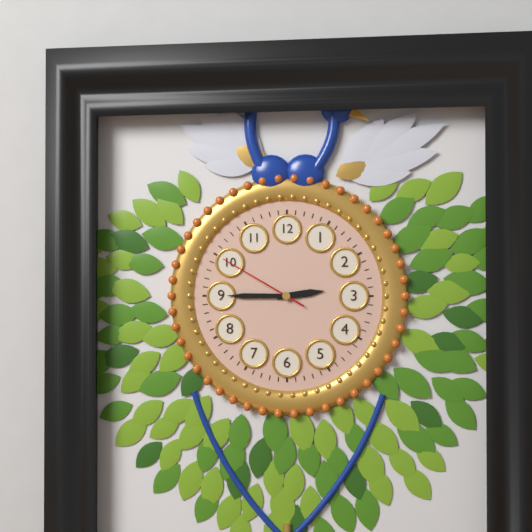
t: h=2 m=45 s=50
